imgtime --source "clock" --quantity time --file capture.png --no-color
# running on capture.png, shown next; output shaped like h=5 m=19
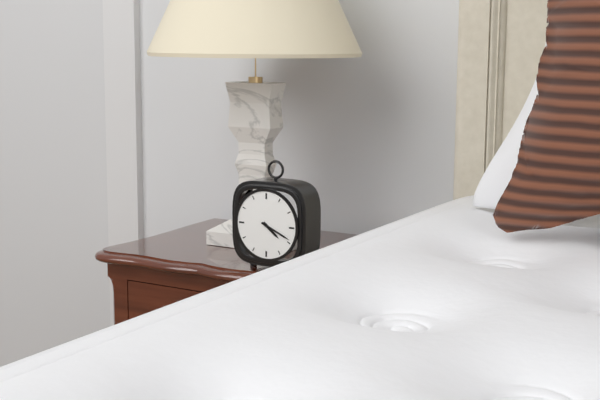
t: h=4 m=19
